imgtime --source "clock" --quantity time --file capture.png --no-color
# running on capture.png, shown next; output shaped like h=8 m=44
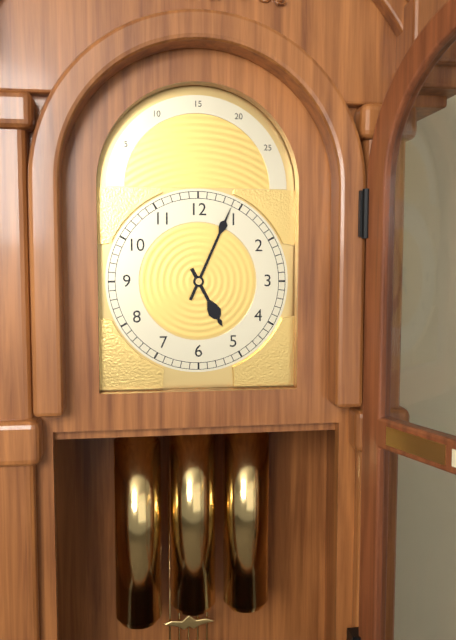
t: h=5 m=4
